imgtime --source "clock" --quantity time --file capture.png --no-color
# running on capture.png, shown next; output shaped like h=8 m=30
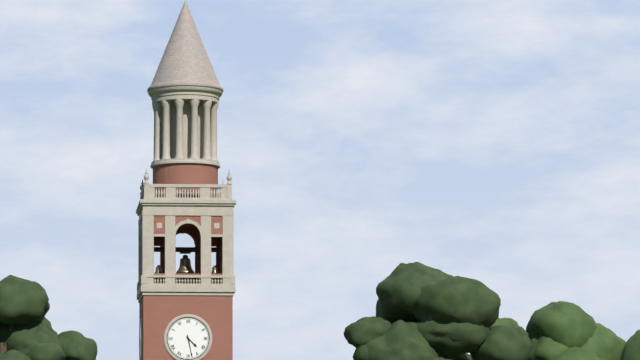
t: h=4 m=28
